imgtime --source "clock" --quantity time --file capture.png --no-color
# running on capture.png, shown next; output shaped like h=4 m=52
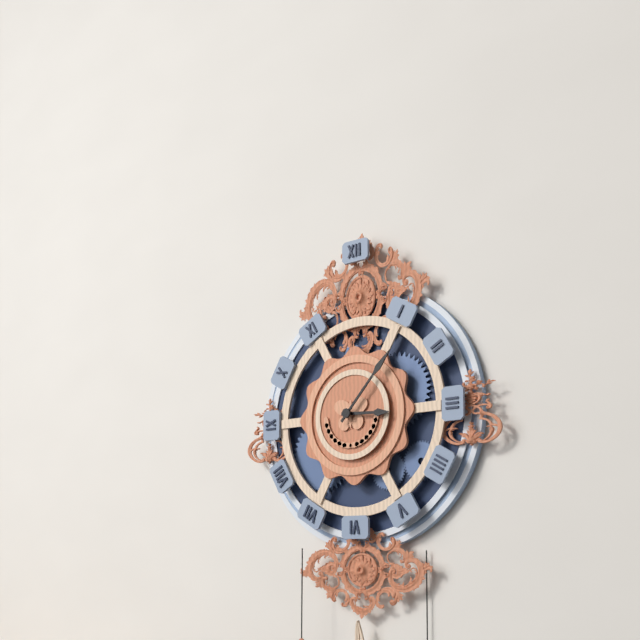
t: h=3 m=7
